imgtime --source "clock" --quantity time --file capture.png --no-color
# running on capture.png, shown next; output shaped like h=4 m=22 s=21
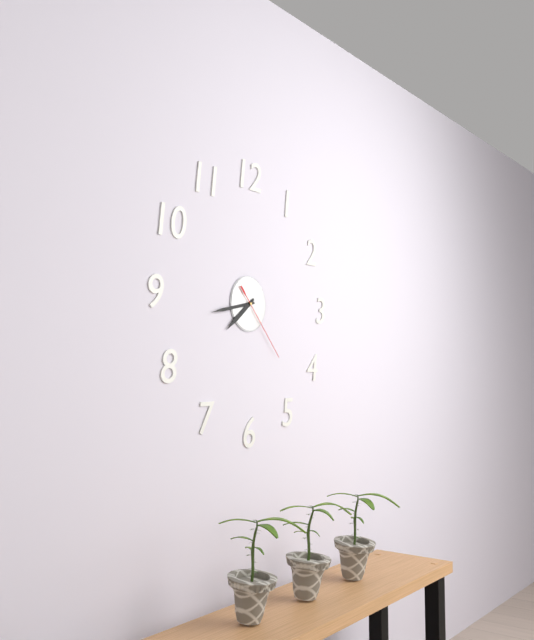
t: h=7 m=43 s=23
